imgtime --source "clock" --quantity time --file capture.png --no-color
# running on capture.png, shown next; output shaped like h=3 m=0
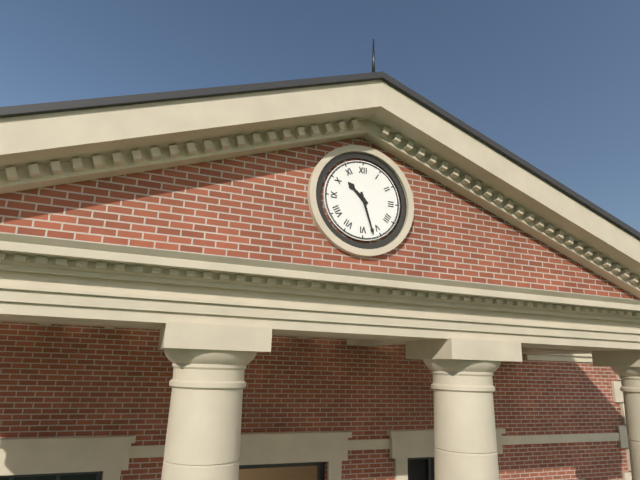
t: h=10 m=27
